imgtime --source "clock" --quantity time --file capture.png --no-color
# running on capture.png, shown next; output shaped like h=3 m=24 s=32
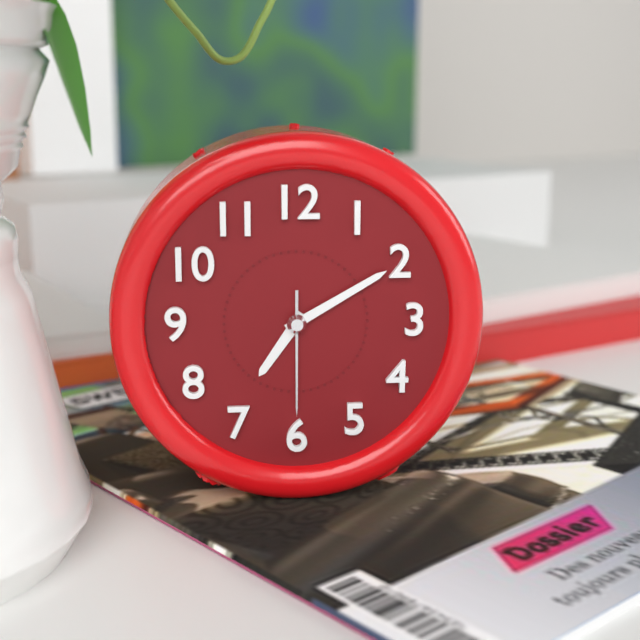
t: h=7 m=10 s=30
